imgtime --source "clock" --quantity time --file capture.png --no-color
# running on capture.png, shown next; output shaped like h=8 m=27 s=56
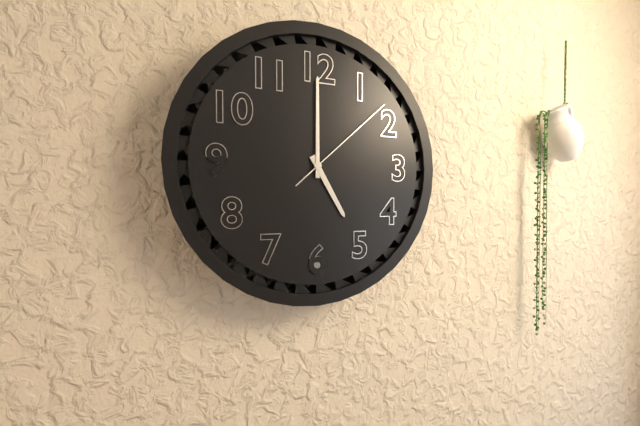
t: h=5 m=0 s=8
